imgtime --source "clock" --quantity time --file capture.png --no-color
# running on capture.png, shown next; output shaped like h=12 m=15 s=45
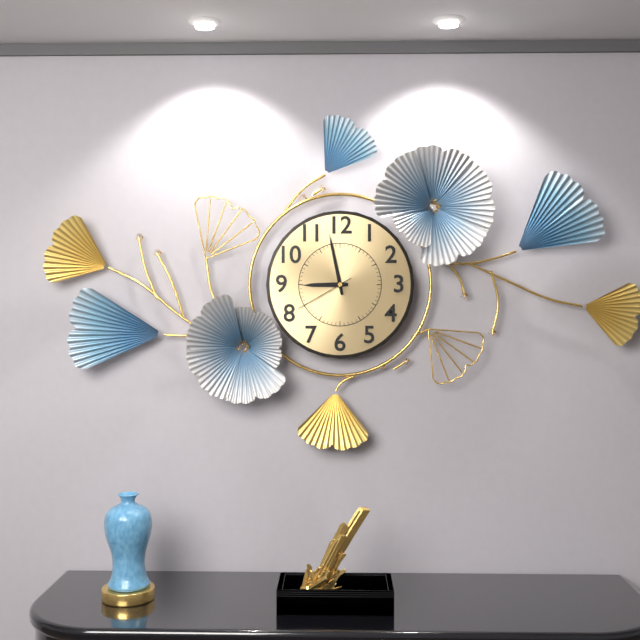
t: h=8 m=58 s=40
